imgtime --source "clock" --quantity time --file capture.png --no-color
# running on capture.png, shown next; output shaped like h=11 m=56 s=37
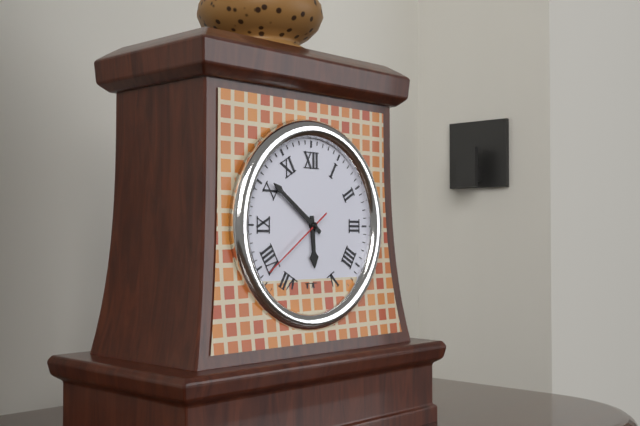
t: h=5 m=51 s=39
